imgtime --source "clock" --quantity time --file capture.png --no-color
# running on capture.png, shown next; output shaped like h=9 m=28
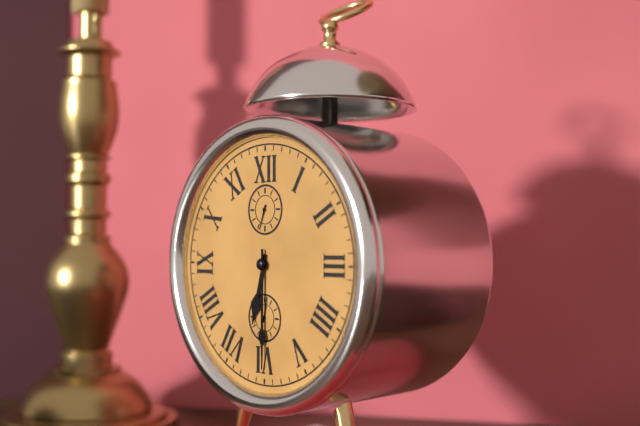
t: h=6 m=30
